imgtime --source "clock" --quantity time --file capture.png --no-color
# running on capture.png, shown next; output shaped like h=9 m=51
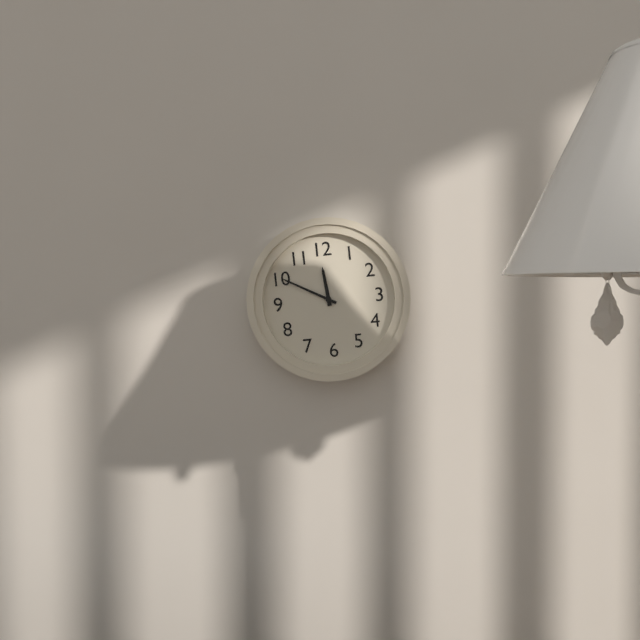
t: h=11 m=50
